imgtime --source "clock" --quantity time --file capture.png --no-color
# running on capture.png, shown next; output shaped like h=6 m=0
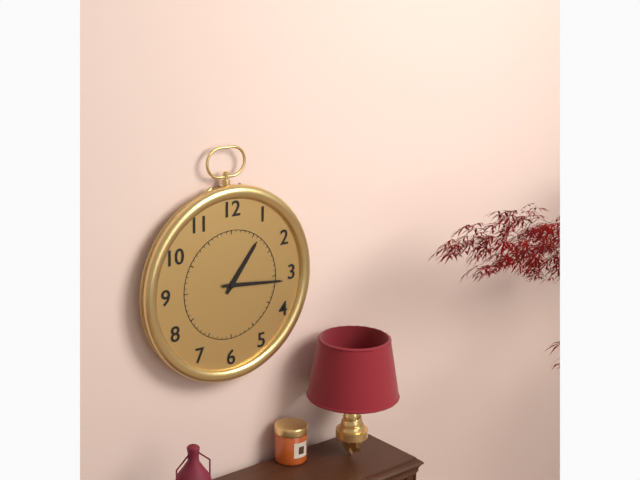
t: h=1 m=16
